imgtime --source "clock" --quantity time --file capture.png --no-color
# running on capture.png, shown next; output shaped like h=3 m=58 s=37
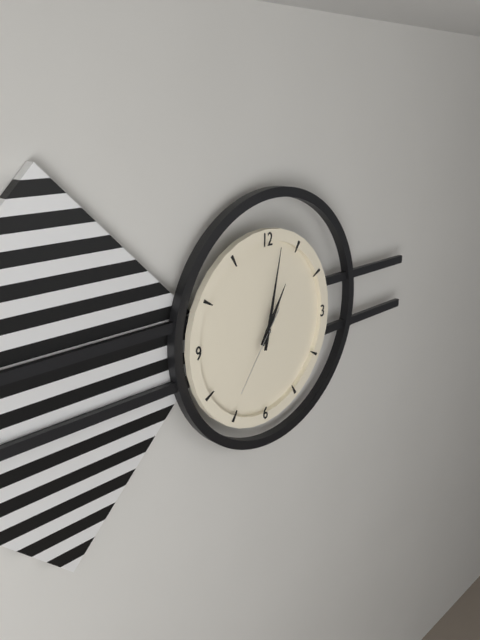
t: h=1 m=2 s=36
